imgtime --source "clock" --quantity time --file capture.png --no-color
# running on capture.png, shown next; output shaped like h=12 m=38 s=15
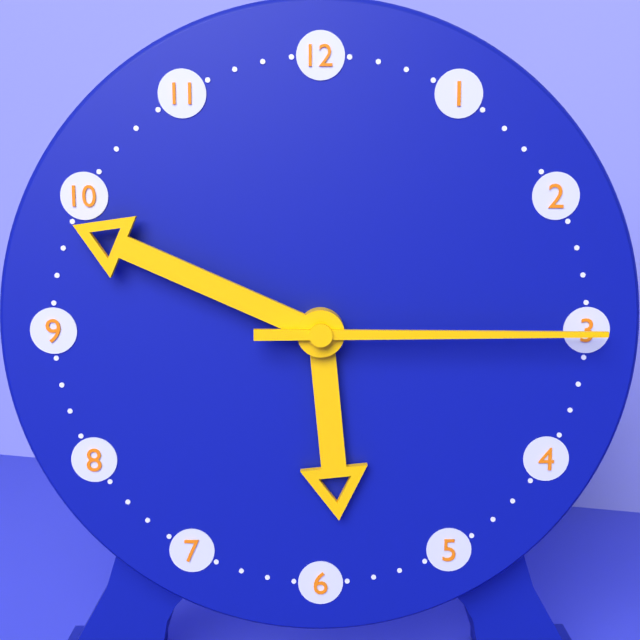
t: h=5 m=49 s=15
